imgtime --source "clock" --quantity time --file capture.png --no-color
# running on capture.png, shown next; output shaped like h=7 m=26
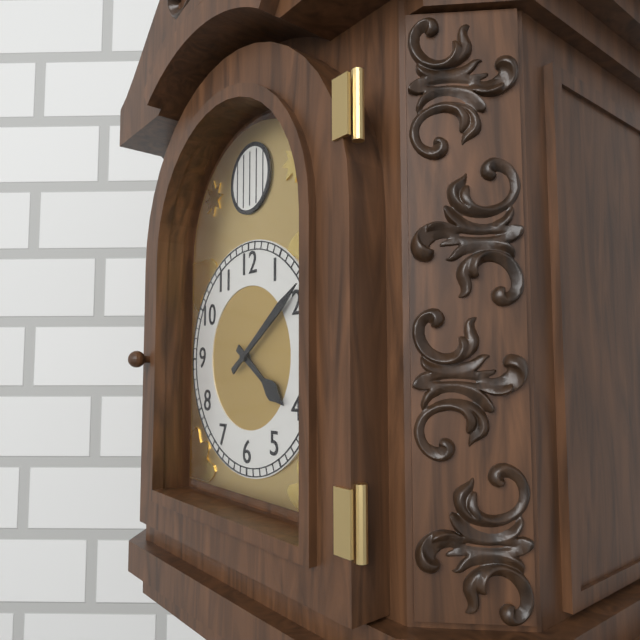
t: h=4 m=9
